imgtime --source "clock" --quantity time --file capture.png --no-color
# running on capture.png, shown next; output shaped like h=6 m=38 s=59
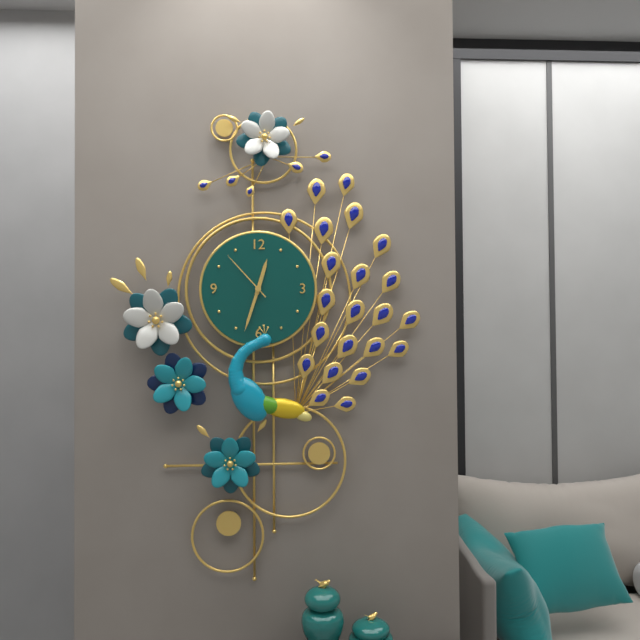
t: h=12 m=33 s=53
